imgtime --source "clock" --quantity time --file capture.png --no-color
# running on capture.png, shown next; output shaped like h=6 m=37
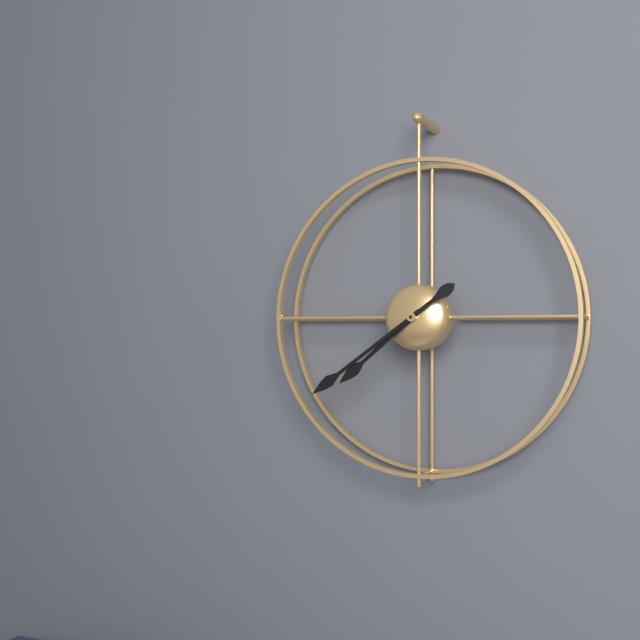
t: h=7 m=39
